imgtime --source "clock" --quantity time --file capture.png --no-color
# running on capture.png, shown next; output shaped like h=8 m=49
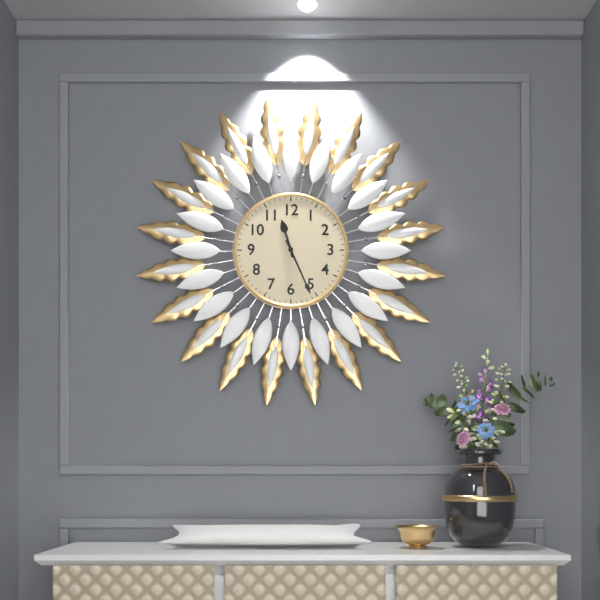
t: h=11 m=26
